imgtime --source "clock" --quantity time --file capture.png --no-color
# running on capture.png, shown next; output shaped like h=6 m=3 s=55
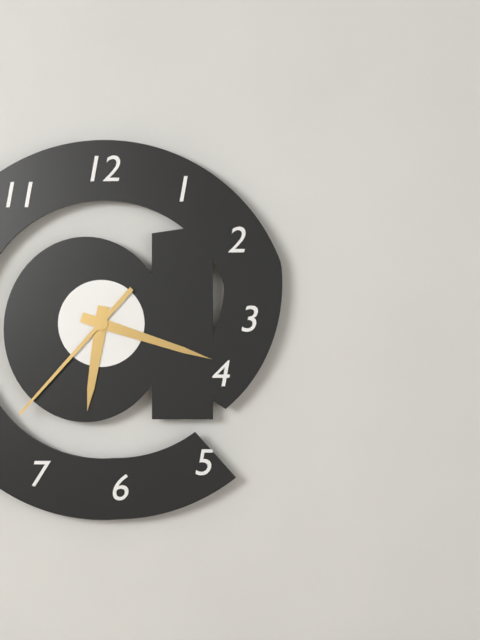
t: h=6 m=18 s=37
